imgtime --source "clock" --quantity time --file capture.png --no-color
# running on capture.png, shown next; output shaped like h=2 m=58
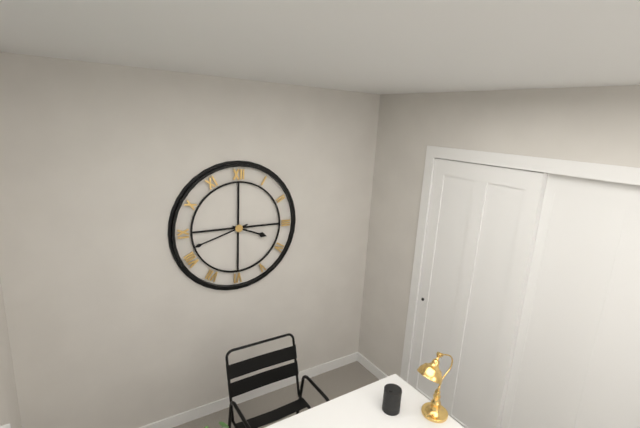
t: h=3 m=42
